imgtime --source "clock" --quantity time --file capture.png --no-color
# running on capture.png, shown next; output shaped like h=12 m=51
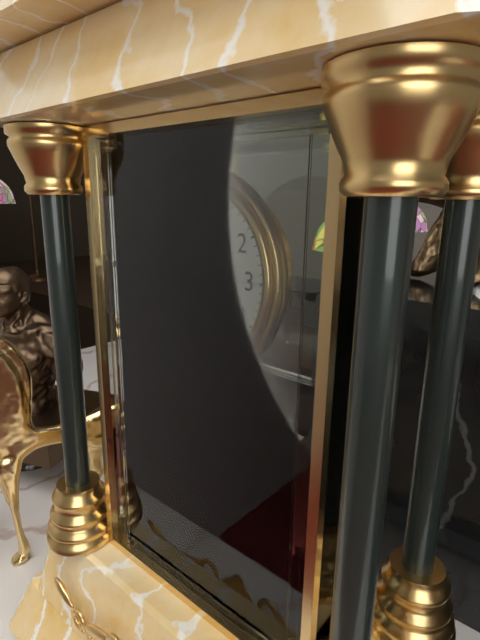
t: h=2 m=53
